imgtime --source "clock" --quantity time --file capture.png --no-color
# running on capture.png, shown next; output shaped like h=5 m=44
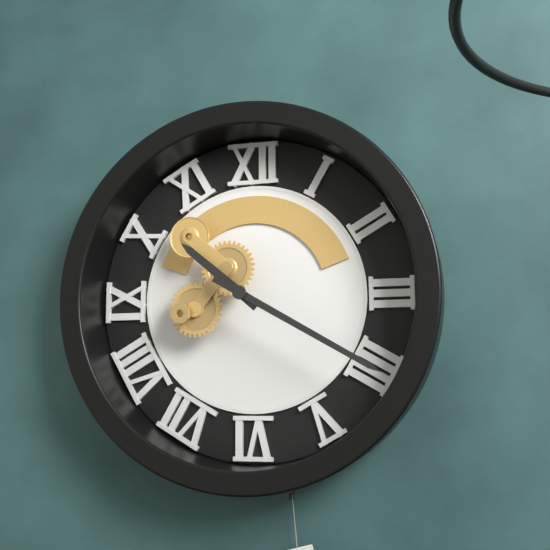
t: h=10 m=20
